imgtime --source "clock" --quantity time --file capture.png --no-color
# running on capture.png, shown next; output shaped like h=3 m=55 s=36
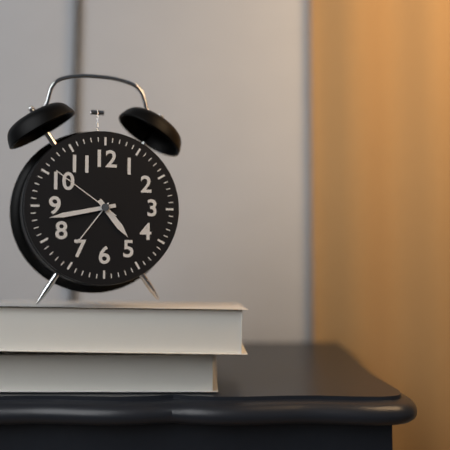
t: h=4 m=43 s=51
